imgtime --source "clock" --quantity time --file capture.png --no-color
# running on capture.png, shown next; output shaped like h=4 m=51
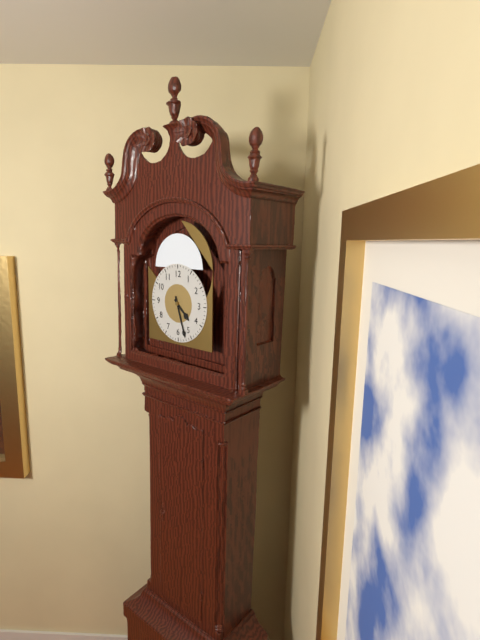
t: h=4 m=27
